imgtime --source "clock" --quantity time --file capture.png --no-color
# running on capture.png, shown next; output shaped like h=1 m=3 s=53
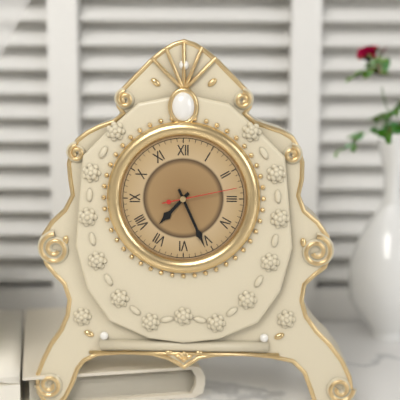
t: h=7 m=26 s=13
